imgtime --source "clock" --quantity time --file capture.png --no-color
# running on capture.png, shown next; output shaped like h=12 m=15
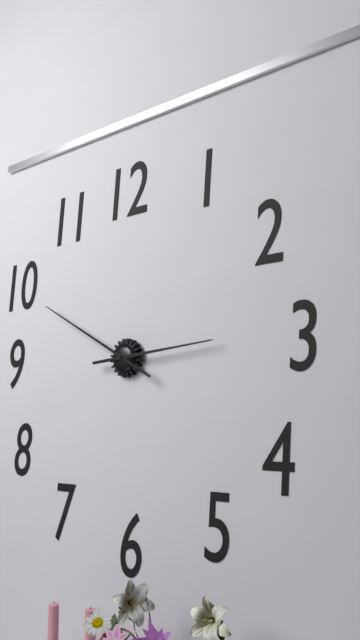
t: h=2 m=50
